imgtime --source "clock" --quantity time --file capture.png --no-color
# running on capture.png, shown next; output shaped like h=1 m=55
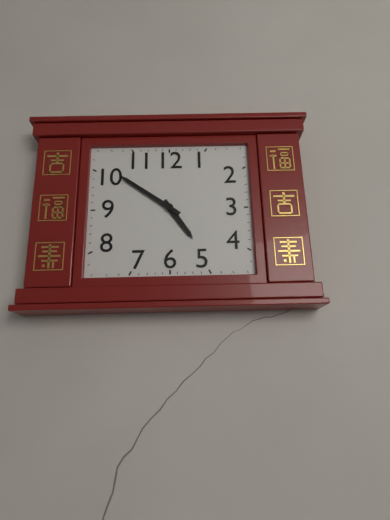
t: h=4 m=51
